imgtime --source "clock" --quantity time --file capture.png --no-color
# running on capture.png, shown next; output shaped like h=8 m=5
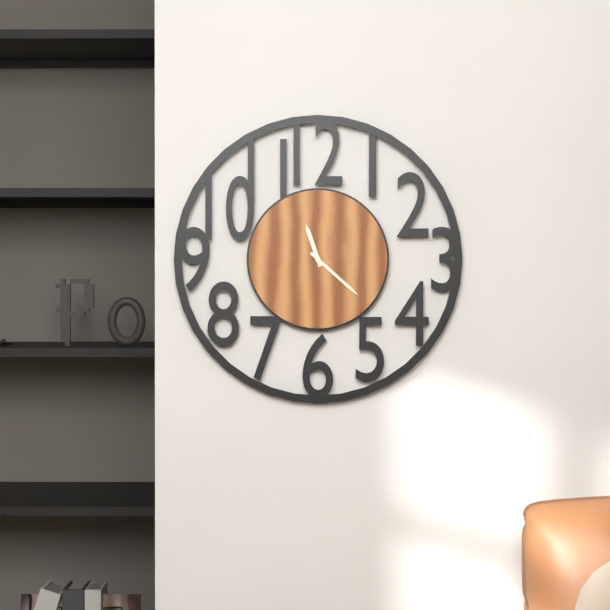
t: h=11 m=22
